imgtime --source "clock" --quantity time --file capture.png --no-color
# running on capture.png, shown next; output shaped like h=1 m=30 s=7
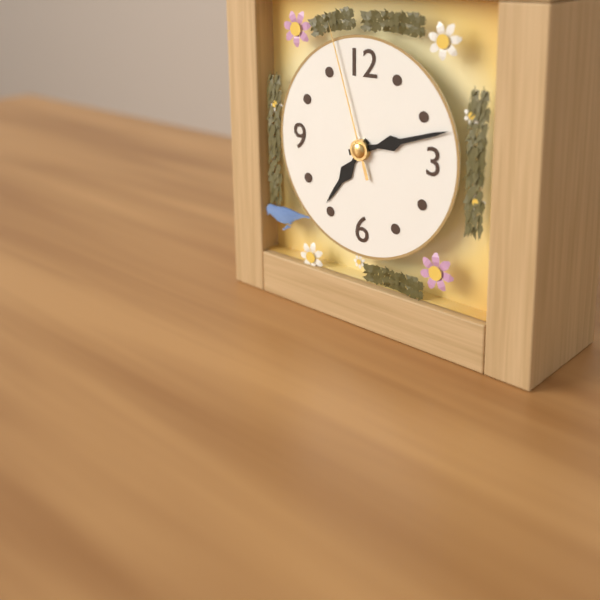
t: h=7 m=12 s=57
